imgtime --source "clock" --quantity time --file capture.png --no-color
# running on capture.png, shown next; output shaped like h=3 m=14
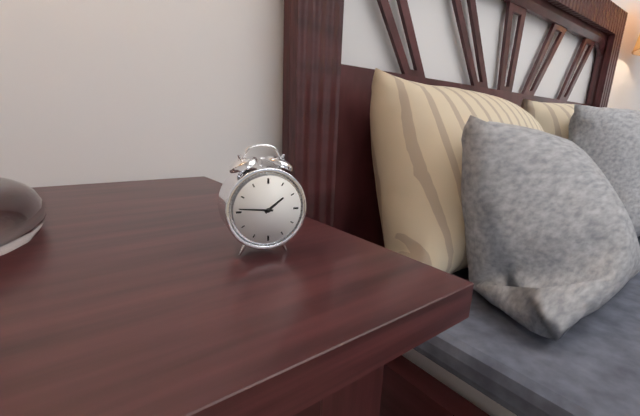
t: h=1 m=46
